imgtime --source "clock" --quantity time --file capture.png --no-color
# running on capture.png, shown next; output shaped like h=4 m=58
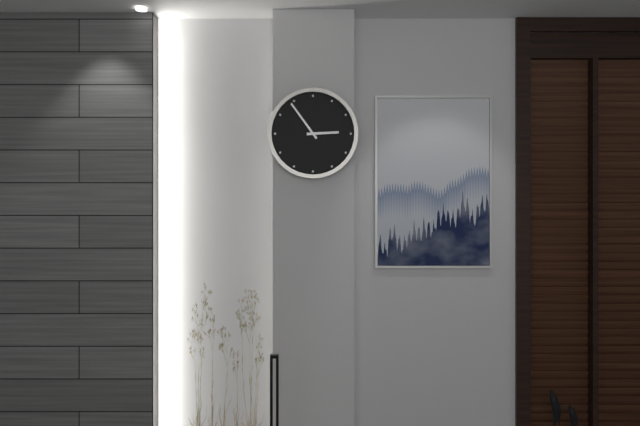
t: h=2 m=54
